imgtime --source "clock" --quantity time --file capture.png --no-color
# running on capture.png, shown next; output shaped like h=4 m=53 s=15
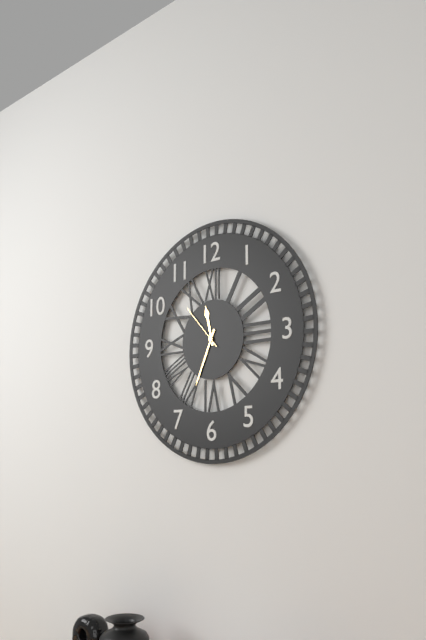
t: h=11 m=34 s=53
